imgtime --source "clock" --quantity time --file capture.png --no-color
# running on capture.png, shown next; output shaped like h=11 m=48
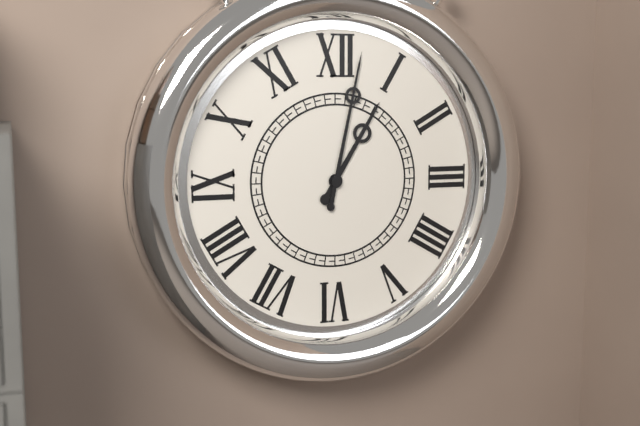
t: h=1 m=2
